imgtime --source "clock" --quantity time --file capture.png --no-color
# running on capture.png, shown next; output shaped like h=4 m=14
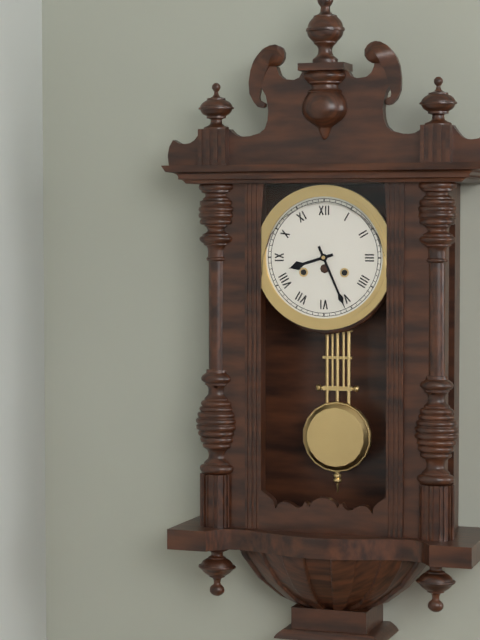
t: h=8 m=26
